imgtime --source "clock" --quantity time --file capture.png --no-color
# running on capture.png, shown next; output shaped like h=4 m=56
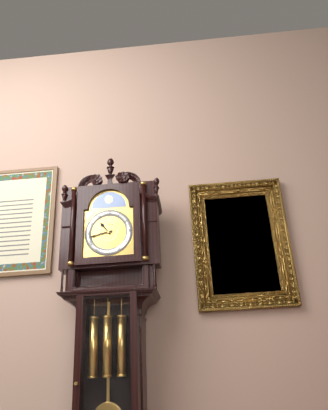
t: h=10 m=43
